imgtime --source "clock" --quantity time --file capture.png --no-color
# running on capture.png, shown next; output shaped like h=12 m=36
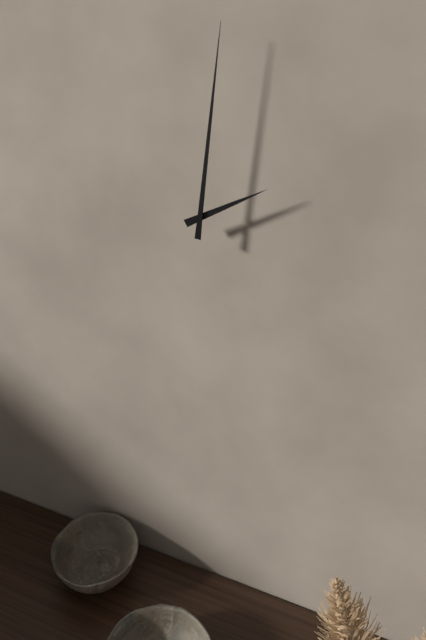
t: h=2 m=1
